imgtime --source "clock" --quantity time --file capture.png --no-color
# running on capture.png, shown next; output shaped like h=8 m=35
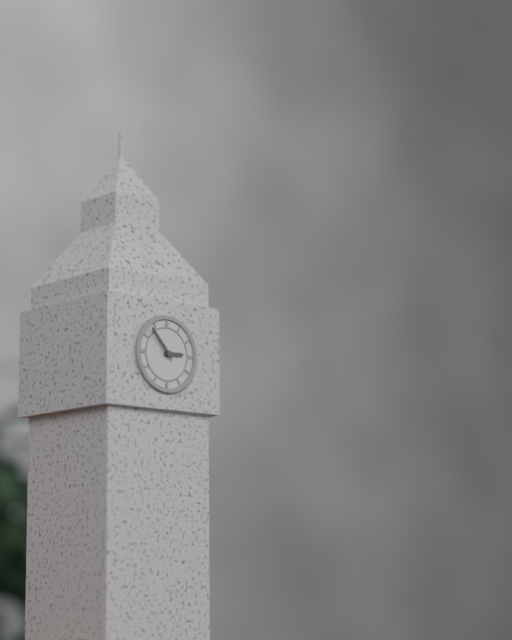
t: h=2 m=53
